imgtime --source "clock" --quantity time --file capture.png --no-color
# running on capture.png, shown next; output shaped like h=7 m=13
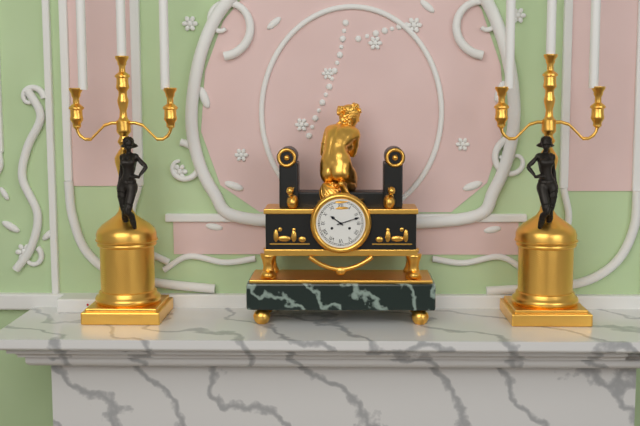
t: h=10 m=12
